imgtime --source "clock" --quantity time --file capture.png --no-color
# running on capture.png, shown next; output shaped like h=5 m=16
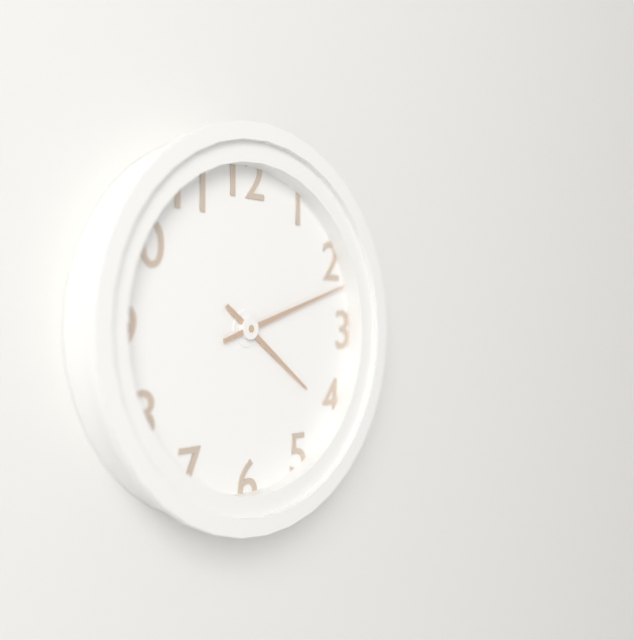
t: h=4 m=12
